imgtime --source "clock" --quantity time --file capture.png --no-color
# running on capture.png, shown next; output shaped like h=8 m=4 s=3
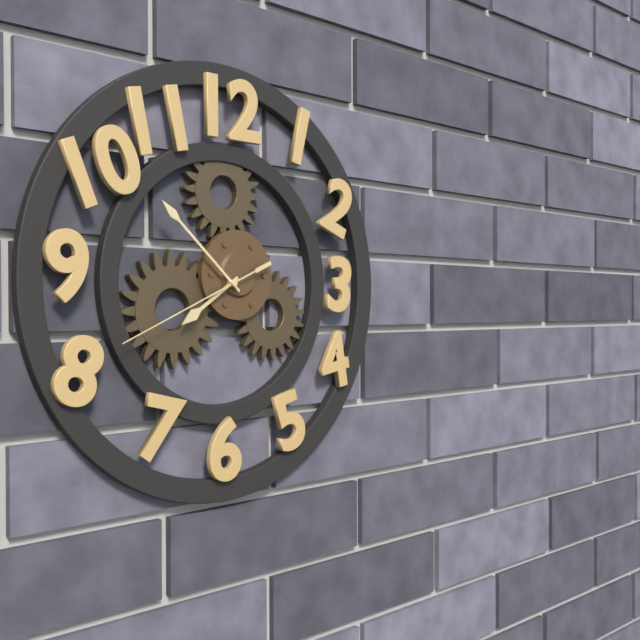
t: h=7 m=52 s=41
